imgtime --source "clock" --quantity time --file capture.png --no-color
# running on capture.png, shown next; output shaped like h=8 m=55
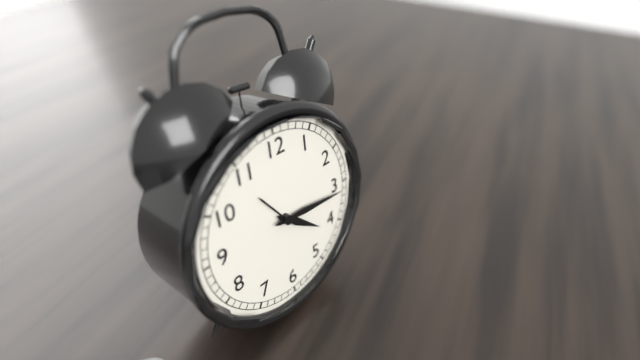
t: h=4 m=16
